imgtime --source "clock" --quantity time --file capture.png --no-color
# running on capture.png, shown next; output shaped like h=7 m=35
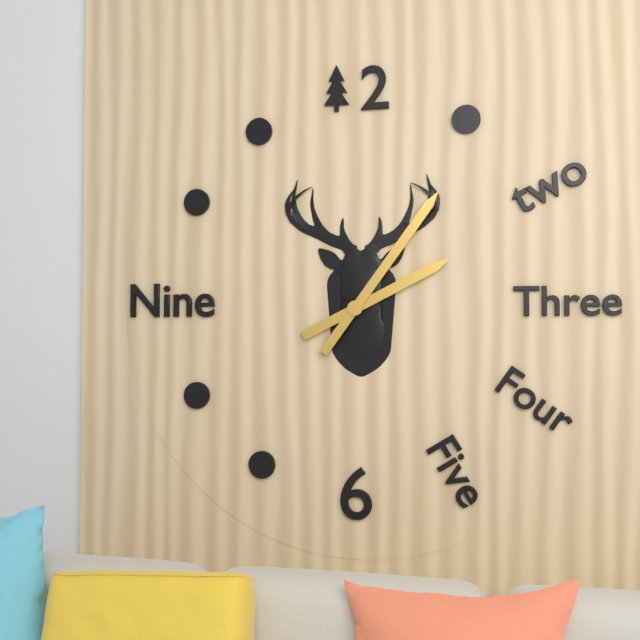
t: h=2 m=6
